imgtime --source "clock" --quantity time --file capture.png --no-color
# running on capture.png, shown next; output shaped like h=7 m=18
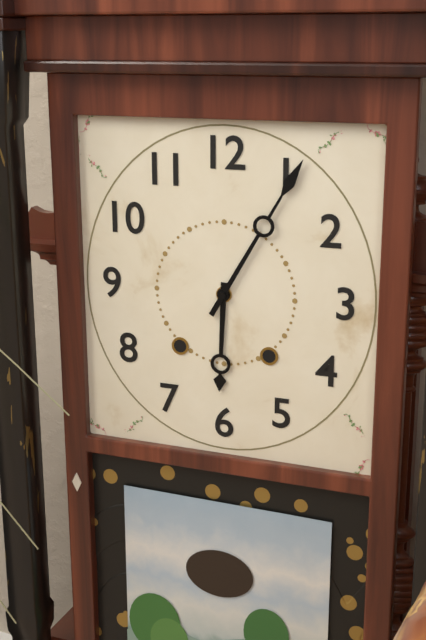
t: h=6 m=5
